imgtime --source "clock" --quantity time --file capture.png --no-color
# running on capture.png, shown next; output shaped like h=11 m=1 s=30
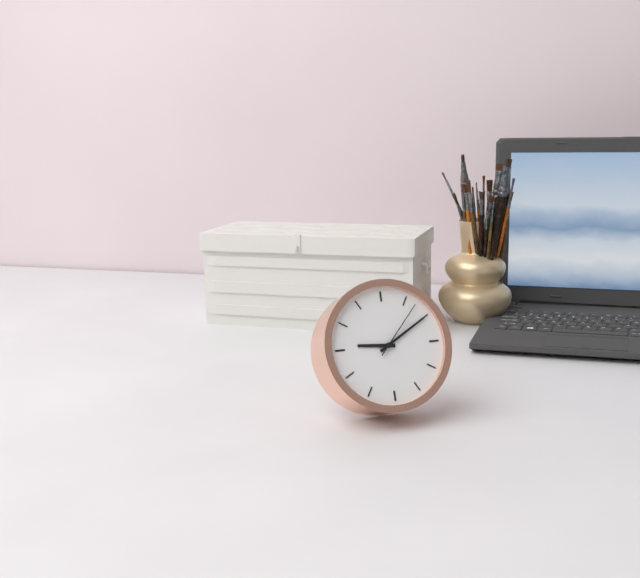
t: h=9 m=10 s=7
